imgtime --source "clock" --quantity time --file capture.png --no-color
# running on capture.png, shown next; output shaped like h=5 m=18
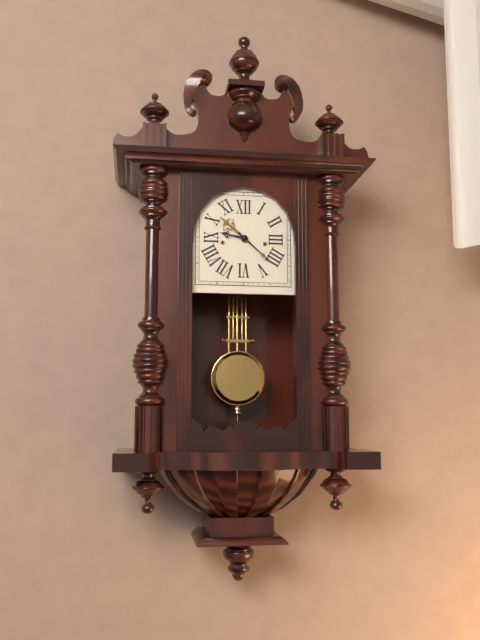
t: h=9 m=22
